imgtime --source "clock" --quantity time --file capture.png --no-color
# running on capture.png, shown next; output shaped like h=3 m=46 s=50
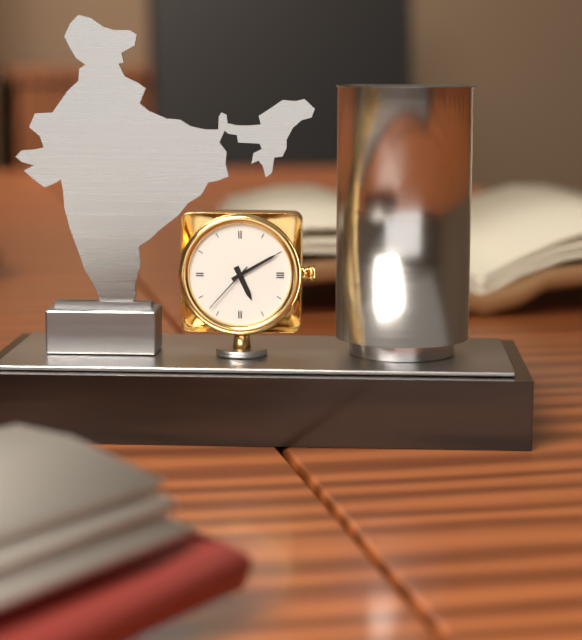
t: h=5 m=10 s=37
